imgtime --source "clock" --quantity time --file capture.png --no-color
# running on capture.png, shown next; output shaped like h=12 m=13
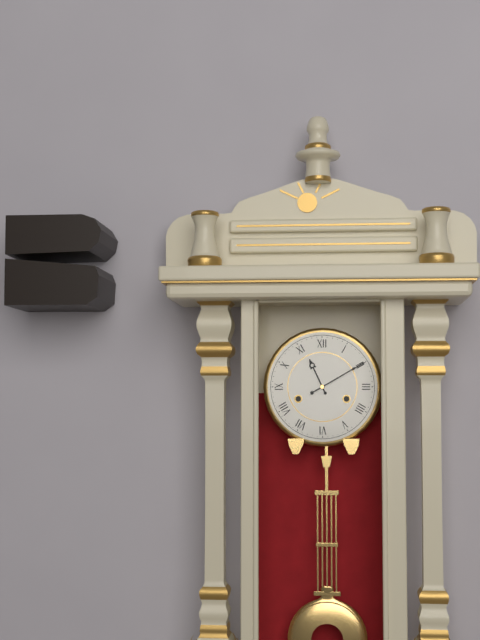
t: h=11 m=10
